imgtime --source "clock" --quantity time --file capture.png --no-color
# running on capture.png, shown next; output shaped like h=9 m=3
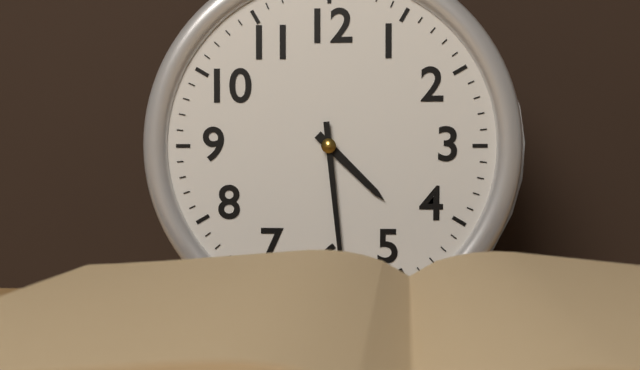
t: h=4 m=29
